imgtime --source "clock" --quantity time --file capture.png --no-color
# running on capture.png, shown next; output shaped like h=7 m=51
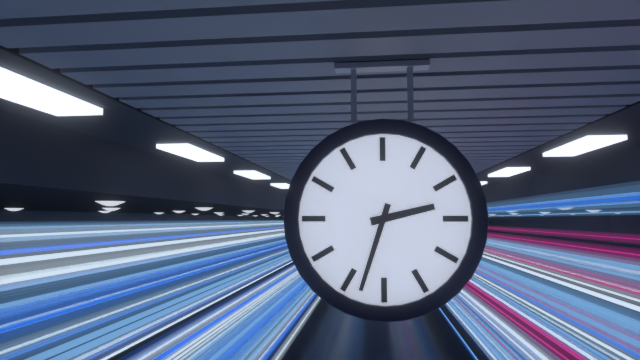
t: h=2 m=33
